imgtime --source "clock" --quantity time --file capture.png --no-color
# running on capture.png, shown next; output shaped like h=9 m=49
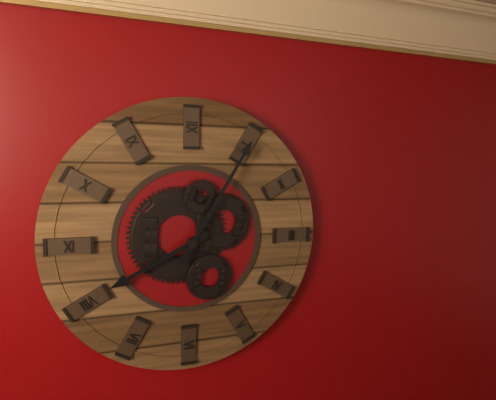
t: h=8 m=5
